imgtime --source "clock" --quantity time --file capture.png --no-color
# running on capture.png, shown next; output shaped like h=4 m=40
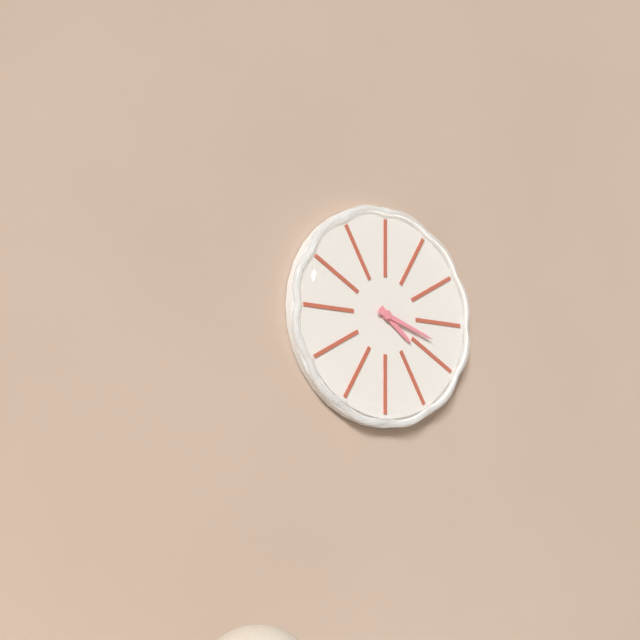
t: h=4 m=18
